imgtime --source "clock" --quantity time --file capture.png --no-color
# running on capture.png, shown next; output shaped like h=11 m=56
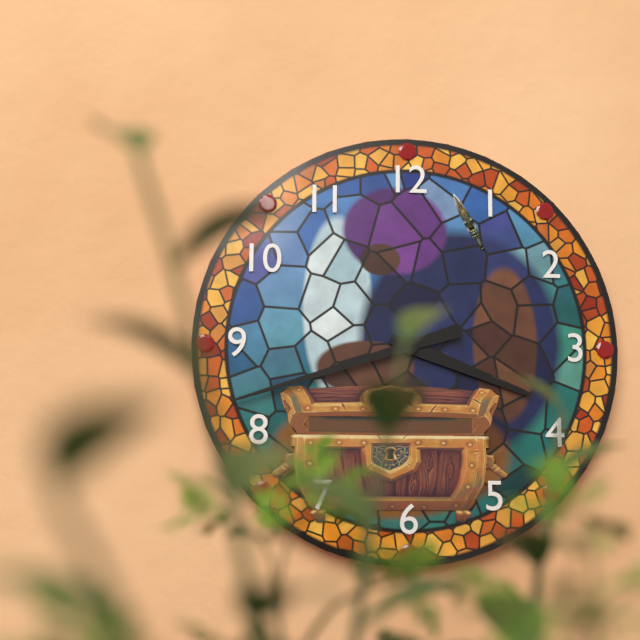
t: h=3 m=42
